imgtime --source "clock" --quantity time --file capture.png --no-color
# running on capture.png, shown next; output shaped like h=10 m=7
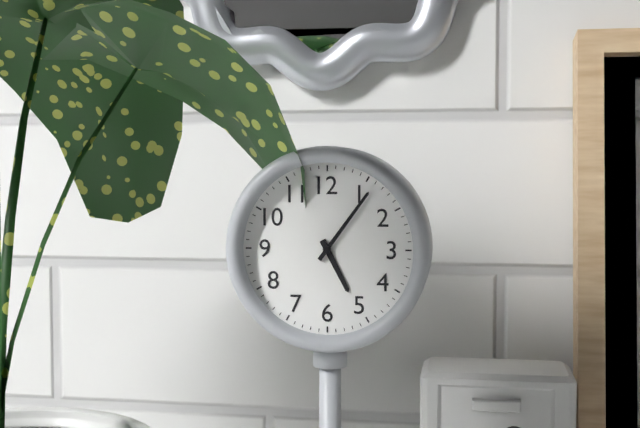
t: h=5 m=6
